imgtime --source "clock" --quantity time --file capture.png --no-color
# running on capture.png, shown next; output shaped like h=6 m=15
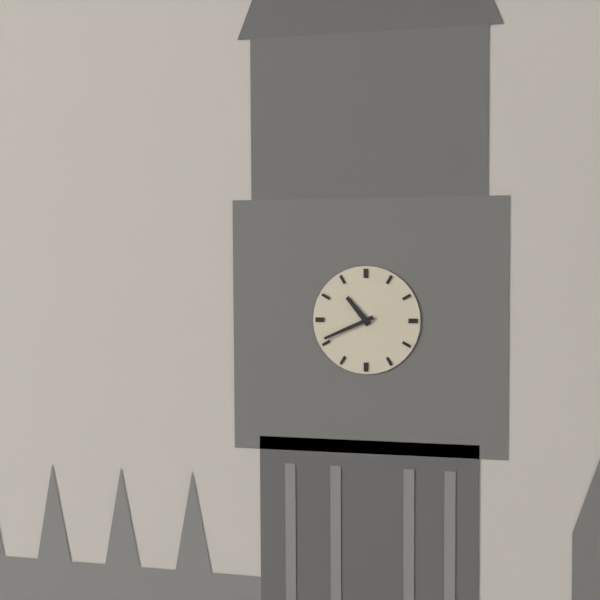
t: h=10 m=41
